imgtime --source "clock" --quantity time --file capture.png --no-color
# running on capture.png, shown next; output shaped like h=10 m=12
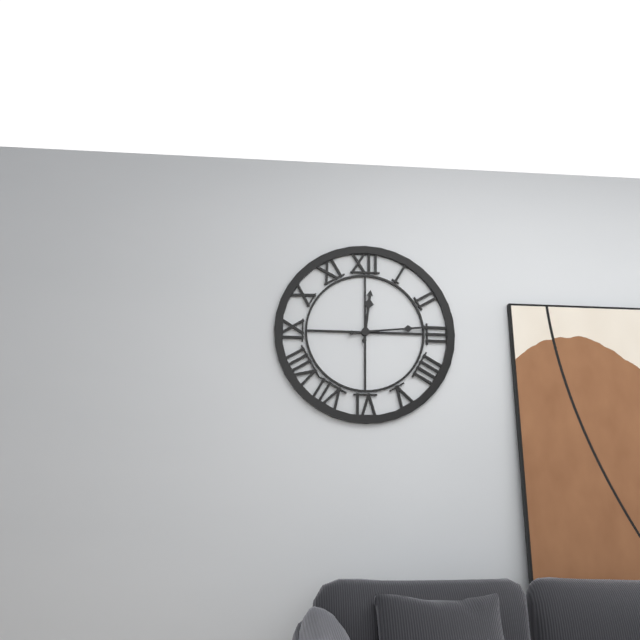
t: h=12 m=14
